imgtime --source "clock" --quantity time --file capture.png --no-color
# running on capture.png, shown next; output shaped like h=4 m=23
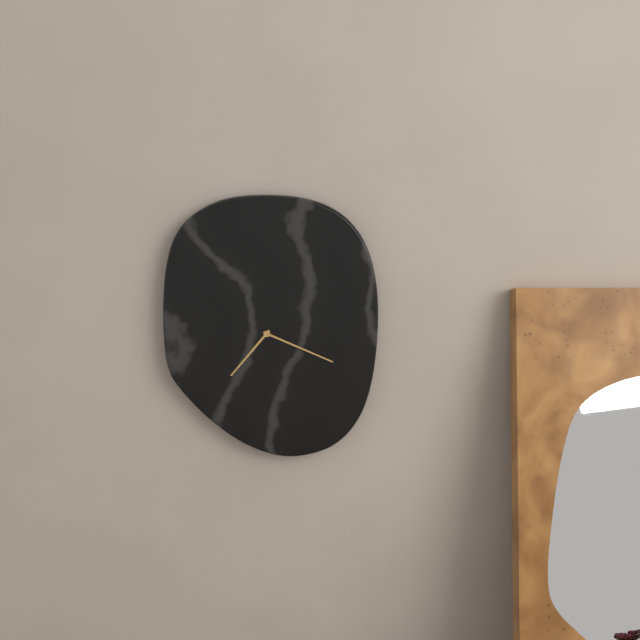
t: h=7 m=19
